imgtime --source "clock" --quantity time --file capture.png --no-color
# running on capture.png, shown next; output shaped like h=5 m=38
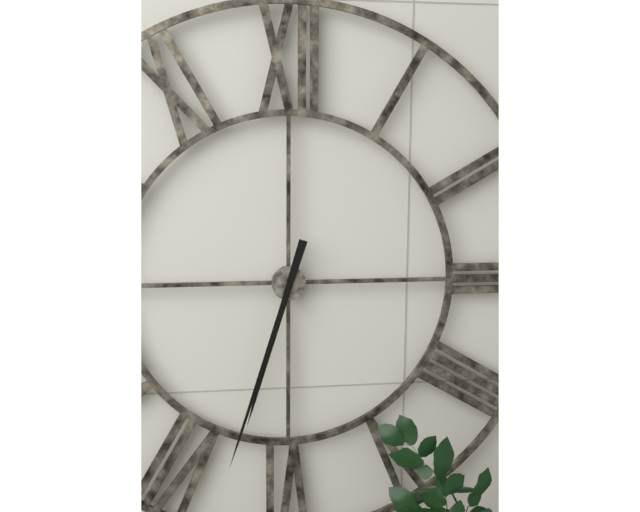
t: h=6 m=33
